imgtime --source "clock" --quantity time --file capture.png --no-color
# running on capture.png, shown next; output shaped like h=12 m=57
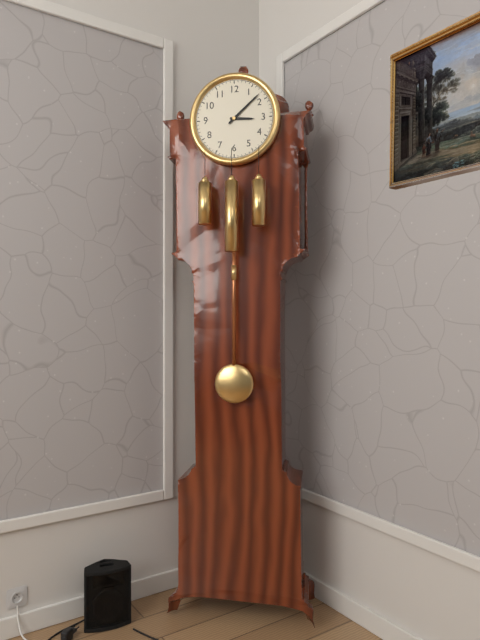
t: h=3 m=8
